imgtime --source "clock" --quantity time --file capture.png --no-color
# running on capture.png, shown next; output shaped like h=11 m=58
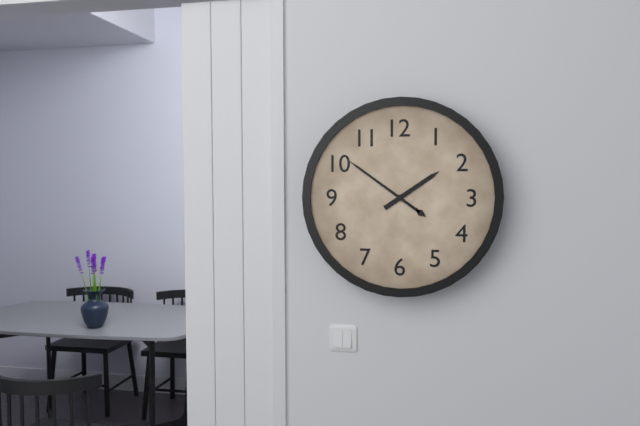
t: h=1 m=51
